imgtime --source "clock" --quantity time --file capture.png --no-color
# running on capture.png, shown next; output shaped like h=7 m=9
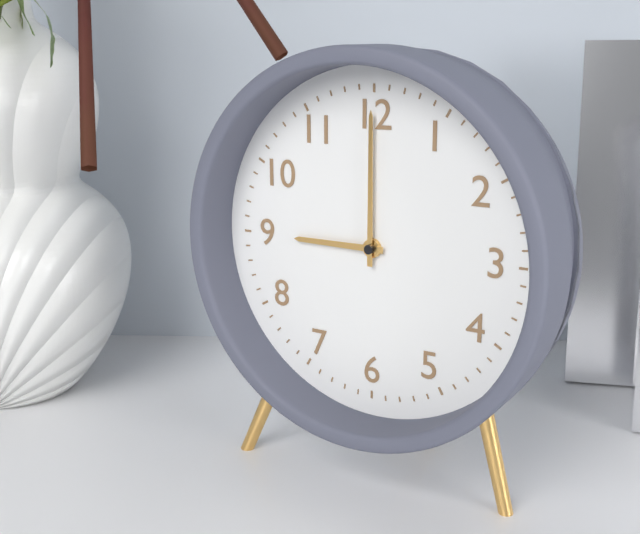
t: h=9 m=0
